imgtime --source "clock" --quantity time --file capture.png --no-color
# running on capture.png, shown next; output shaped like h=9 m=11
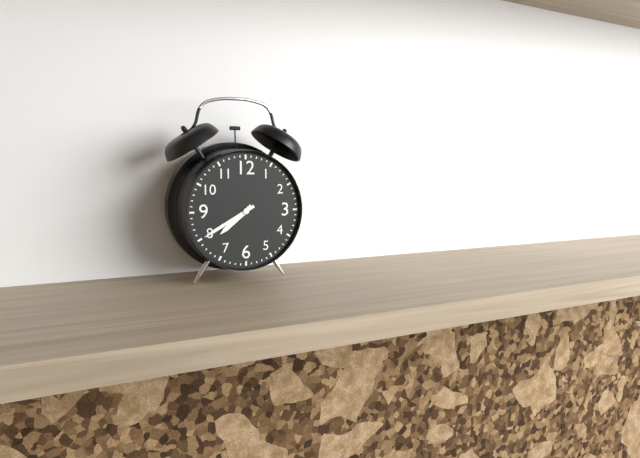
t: h=7 m=40
